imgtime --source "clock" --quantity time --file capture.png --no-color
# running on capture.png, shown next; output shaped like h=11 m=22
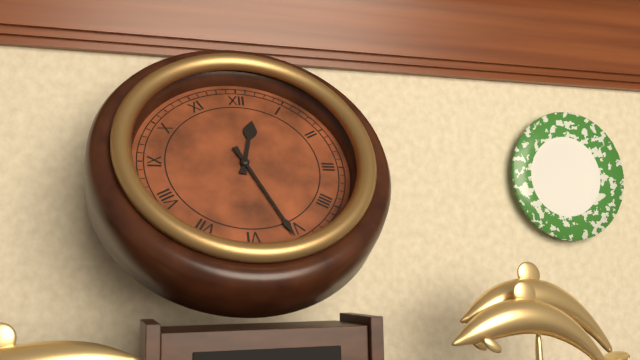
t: h=12 m=26
